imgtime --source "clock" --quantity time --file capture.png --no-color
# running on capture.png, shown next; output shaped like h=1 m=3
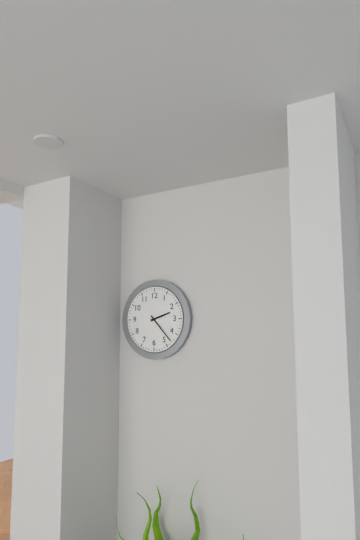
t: h=2 m=23
